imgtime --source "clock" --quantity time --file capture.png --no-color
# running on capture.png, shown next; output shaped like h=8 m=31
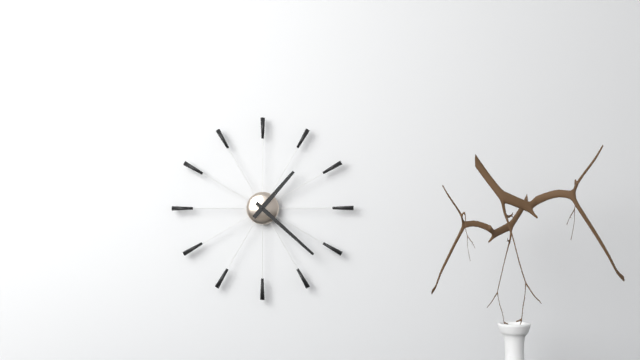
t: h=1 m=22
